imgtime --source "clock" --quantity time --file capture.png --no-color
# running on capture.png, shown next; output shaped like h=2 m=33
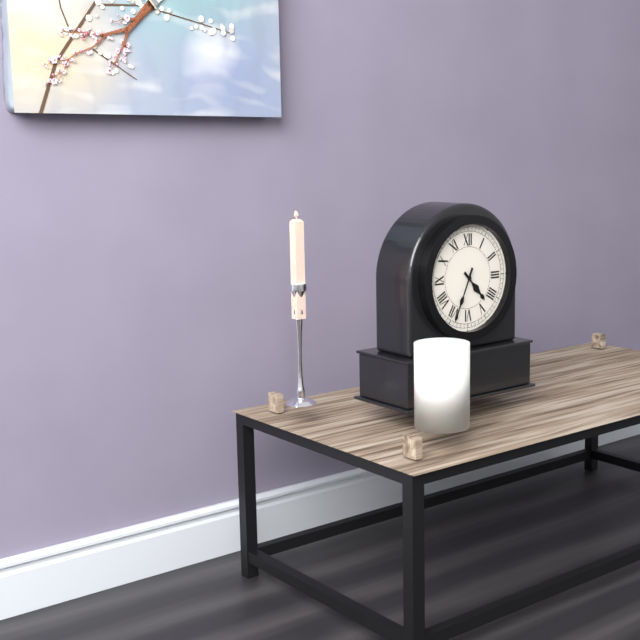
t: h=4 m=34
